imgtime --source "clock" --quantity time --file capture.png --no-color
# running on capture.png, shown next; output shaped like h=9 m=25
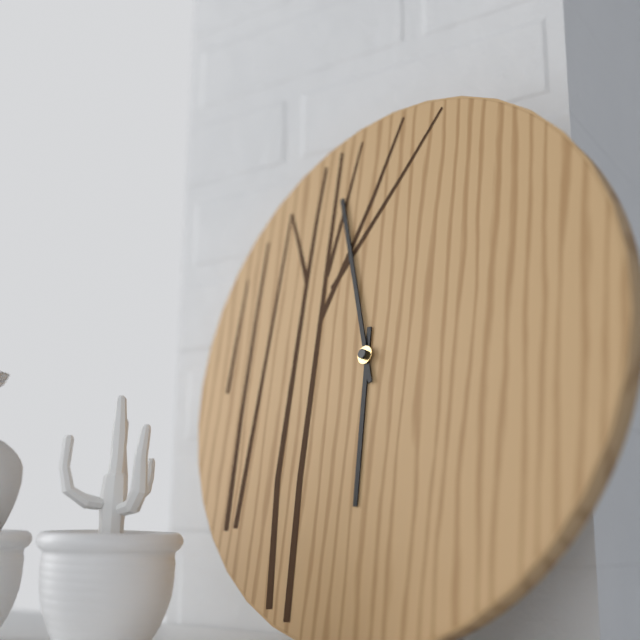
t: h=5 m=57
